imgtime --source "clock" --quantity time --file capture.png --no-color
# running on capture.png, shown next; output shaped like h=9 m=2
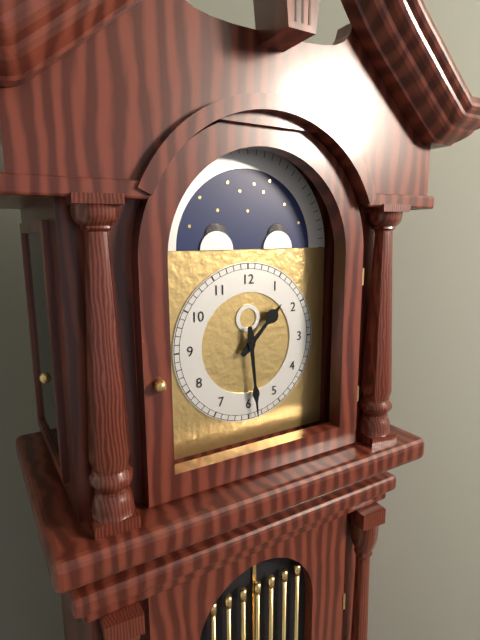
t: h=1 m=29
